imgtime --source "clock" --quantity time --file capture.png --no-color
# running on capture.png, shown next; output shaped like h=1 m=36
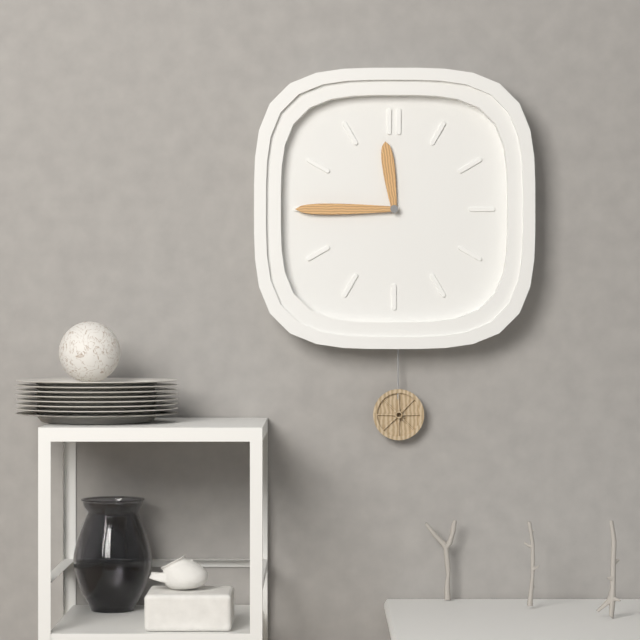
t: h=11 m=45
